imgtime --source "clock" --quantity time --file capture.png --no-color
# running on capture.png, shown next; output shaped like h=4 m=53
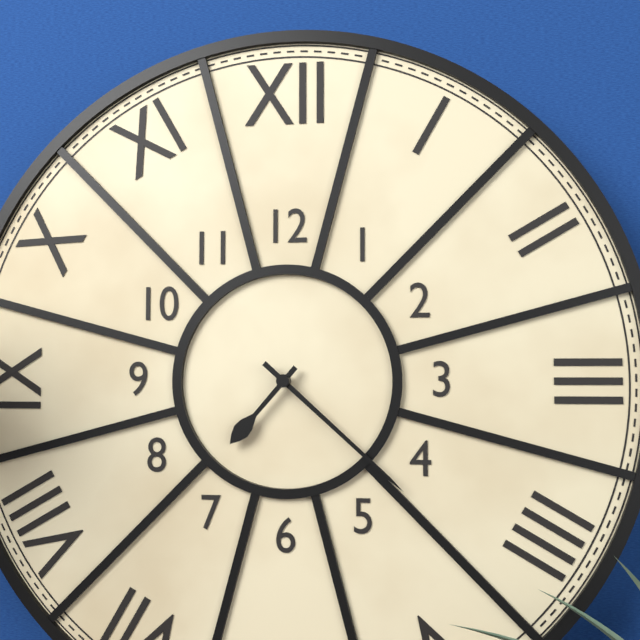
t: h=7 m=22
